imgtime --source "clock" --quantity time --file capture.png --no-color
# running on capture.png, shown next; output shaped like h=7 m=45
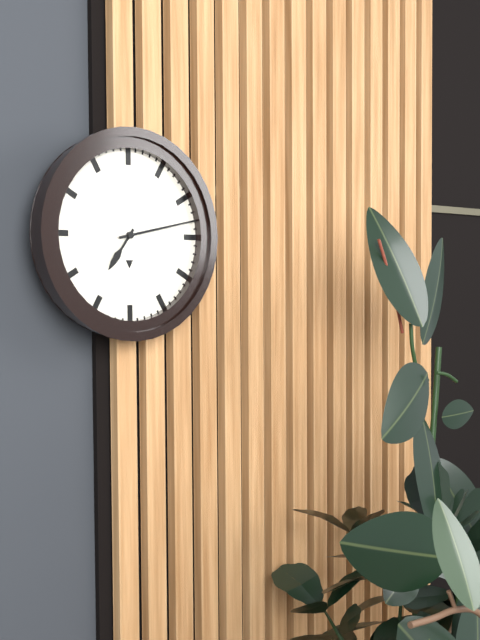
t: h=7 m=13
